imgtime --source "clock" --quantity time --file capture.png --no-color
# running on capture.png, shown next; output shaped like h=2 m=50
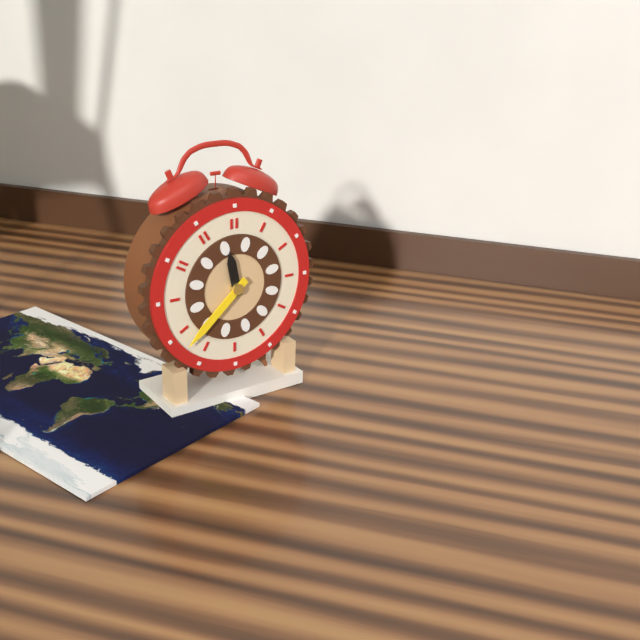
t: h=11 m=38
